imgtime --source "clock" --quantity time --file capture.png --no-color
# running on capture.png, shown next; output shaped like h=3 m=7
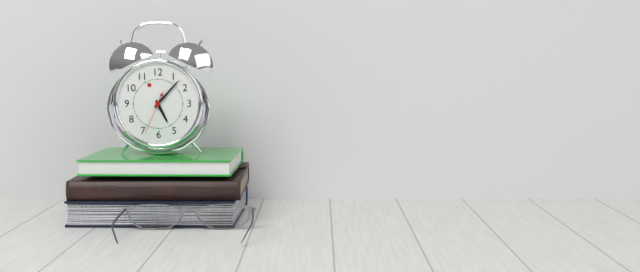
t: h=5 m=7
